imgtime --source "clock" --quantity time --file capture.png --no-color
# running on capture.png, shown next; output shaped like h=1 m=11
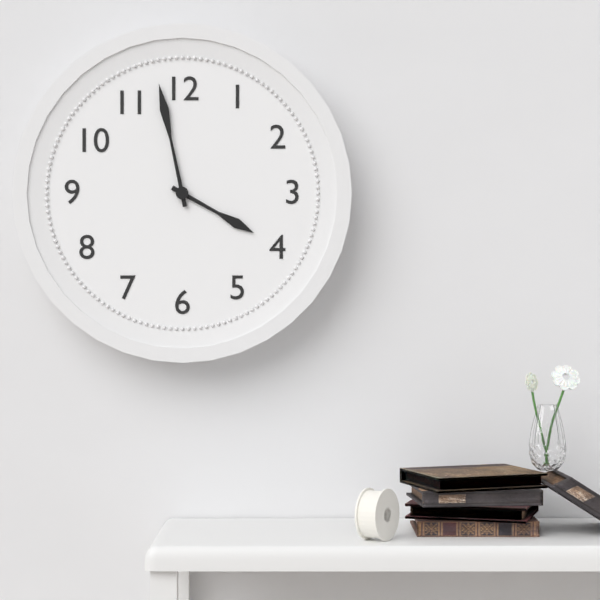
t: h=3 m=58
